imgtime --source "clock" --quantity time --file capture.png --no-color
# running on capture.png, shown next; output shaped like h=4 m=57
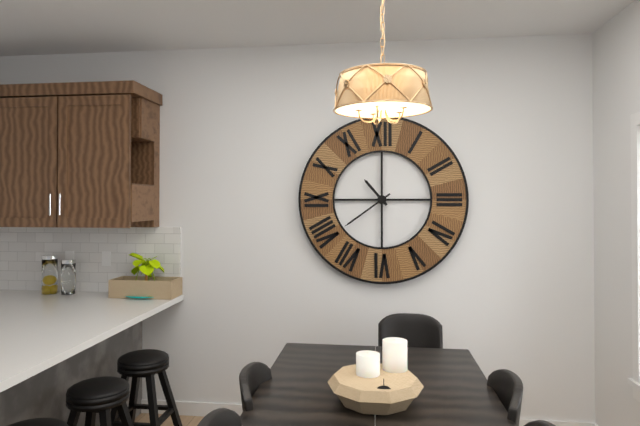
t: h=10 m=39
